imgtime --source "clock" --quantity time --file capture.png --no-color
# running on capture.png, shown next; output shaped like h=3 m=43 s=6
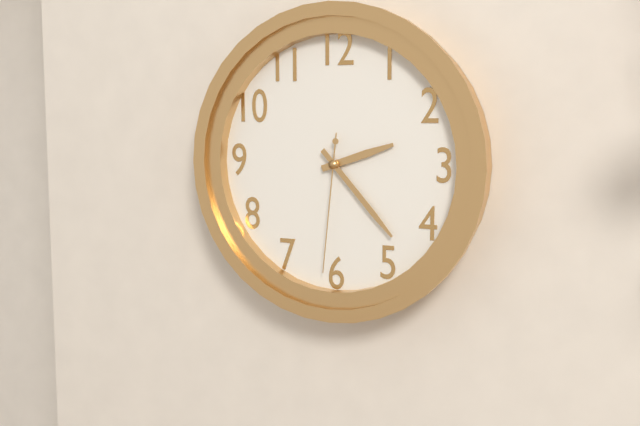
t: h=2 m=23 s=31
